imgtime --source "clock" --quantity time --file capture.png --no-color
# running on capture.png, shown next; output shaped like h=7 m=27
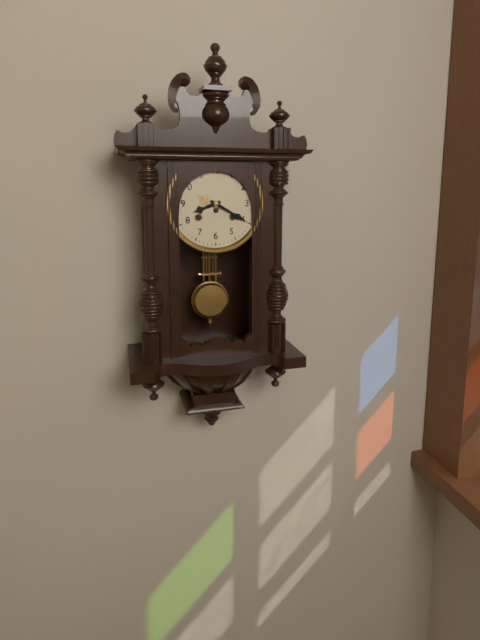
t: h=8 m=20
